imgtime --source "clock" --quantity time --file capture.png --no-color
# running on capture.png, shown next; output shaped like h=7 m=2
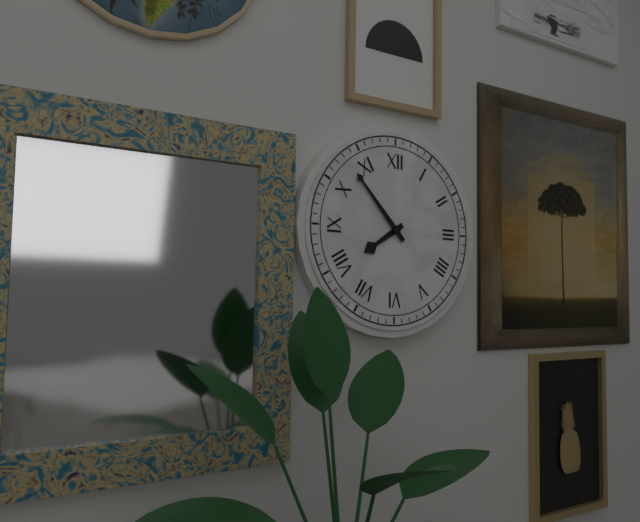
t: h=7 m=53
